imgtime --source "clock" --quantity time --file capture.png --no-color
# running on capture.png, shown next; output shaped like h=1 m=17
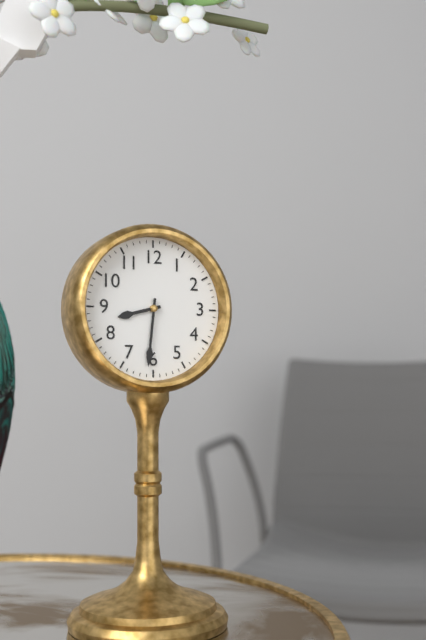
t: h=8 m=31
